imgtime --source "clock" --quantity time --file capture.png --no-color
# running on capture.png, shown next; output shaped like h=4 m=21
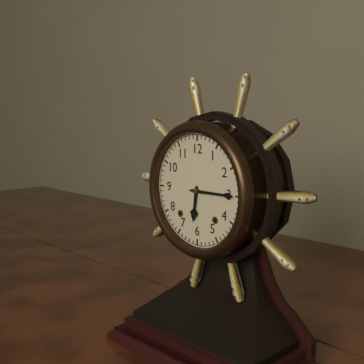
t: h=6 m=15
